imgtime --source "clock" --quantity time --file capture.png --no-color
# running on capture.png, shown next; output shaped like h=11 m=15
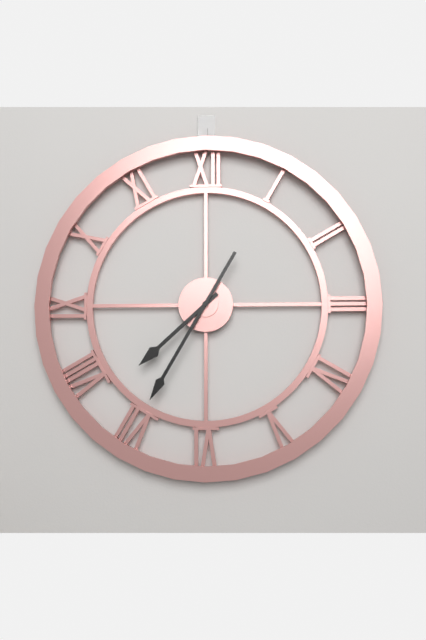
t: h=7 m=35
